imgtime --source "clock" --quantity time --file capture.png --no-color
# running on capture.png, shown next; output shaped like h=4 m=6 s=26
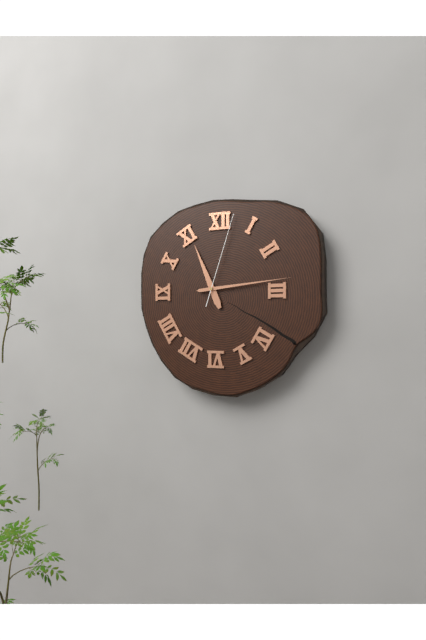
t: h=11 m=14 s=3
